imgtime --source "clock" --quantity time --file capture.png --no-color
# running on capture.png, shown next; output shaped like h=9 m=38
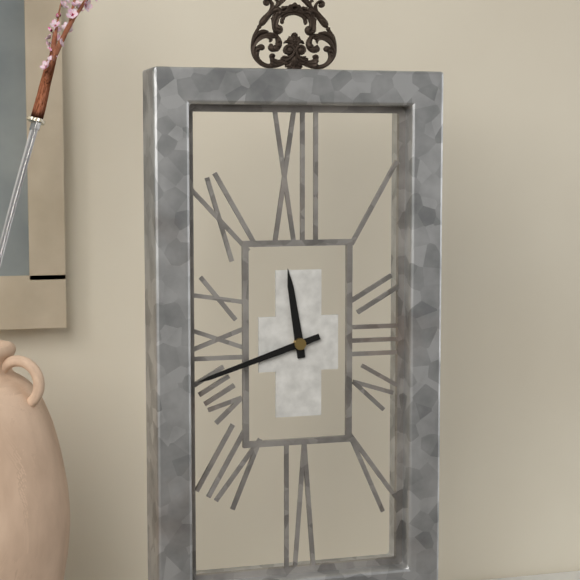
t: h=11 m=42
